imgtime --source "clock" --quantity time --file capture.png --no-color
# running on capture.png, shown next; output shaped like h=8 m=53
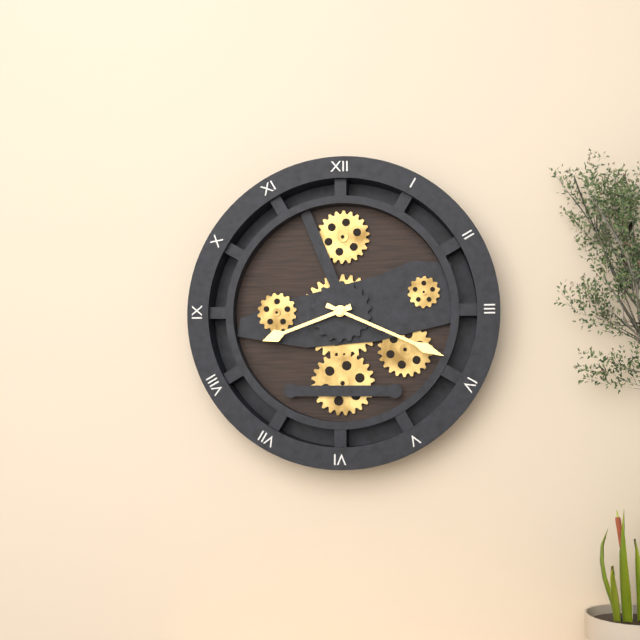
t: h=8 m=19
